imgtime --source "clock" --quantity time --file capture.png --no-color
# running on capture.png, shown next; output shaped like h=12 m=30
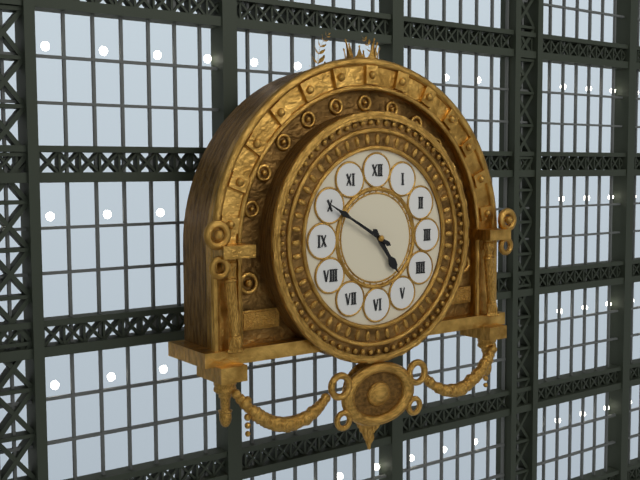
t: h=4 m=50
